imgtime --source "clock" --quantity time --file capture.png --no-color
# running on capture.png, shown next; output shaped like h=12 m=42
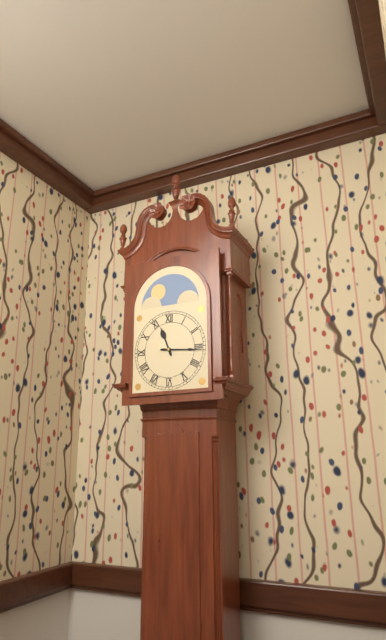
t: h=11 m=16
